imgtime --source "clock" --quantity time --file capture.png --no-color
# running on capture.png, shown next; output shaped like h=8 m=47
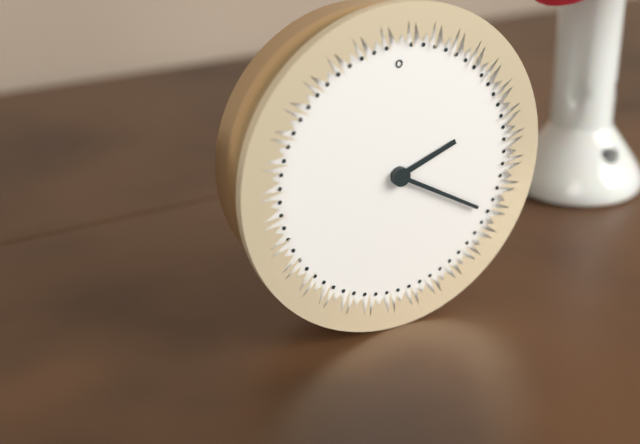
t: h=2 m=20
